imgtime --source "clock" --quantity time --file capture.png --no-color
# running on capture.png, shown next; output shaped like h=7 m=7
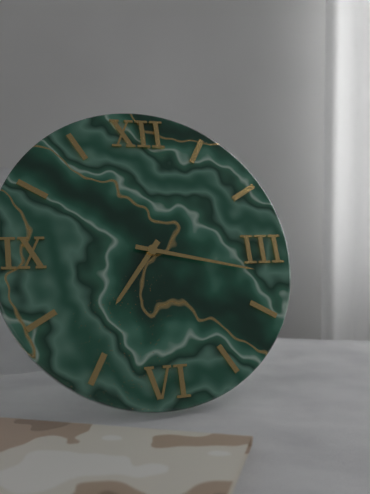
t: h=7 m=17
